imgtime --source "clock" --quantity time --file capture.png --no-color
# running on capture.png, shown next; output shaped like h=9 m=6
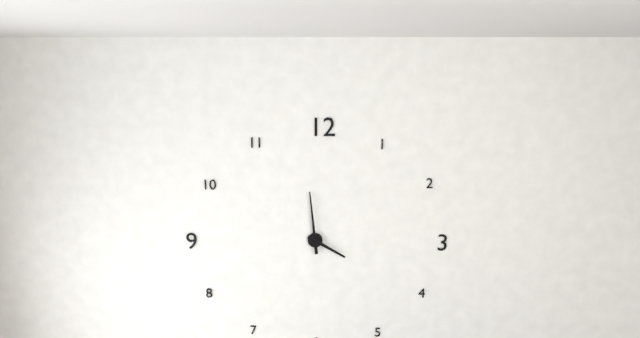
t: h=3 m=59
